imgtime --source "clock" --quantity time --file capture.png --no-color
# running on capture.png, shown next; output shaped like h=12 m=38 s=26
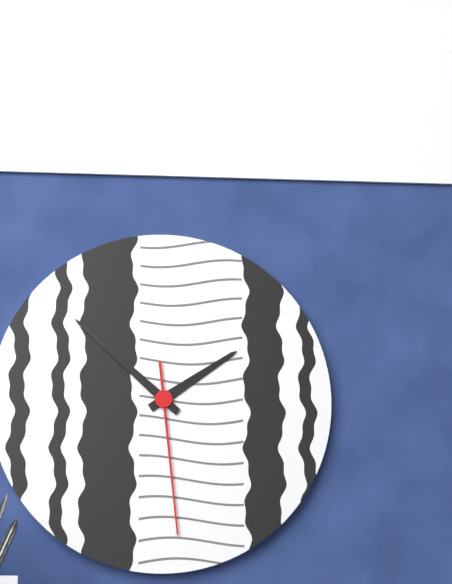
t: h=1 m=52 s=29
